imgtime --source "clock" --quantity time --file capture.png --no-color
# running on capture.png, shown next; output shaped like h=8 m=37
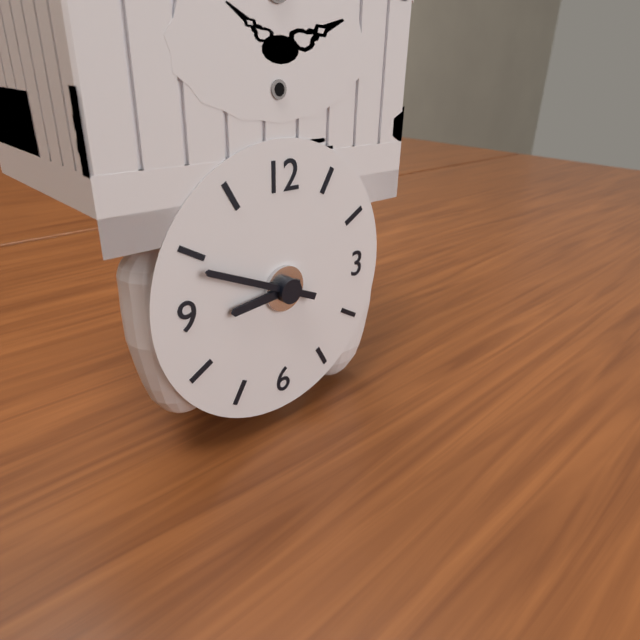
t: h=8 m=49
